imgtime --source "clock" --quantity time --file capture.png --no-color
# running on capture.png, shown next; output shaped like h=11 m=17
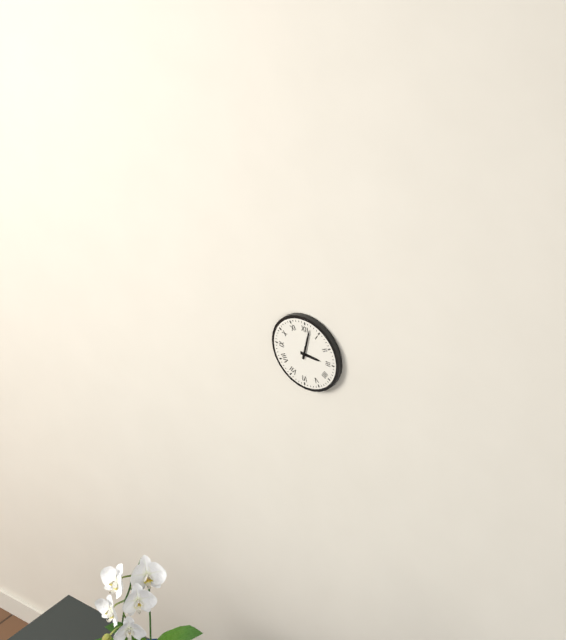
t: h=3 m=2
